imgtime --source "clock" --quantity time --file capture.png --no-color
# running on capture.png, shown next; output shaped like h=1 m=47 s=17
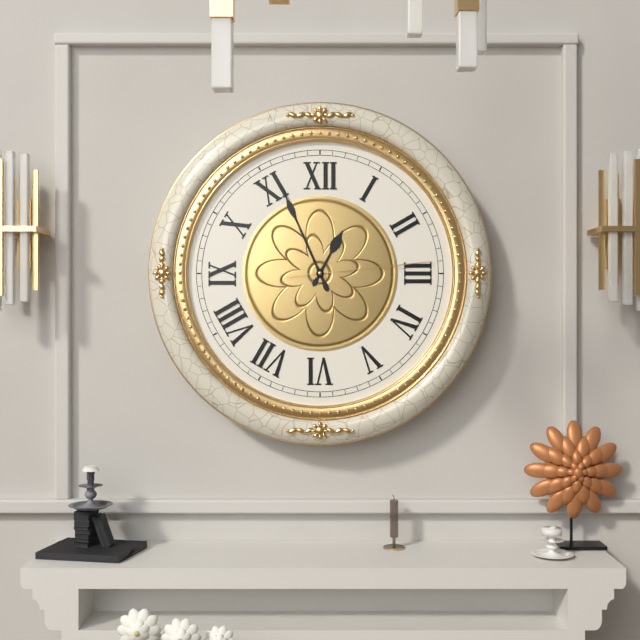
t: h=12 m=56 s=14
